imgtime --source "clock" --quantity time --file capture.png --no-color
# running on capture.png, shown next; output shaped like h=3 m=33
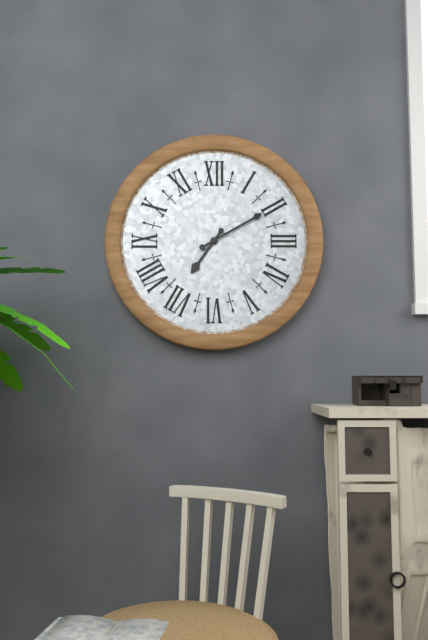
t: h=7 m=10
